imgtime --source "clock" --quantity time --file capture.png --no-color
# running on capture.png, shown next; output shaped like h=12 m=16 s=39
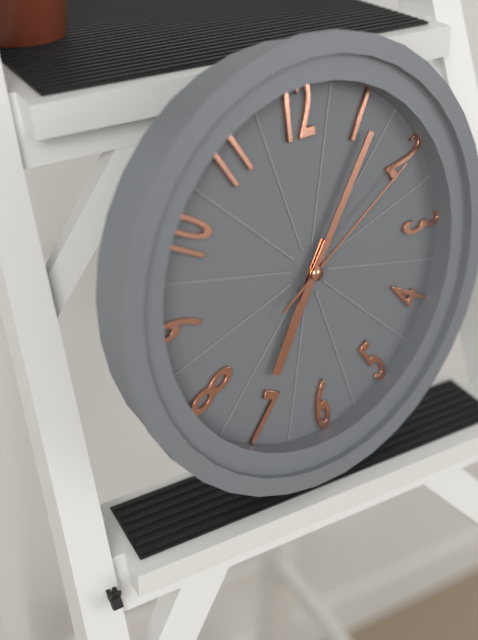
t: h=7 m=6 s=10
